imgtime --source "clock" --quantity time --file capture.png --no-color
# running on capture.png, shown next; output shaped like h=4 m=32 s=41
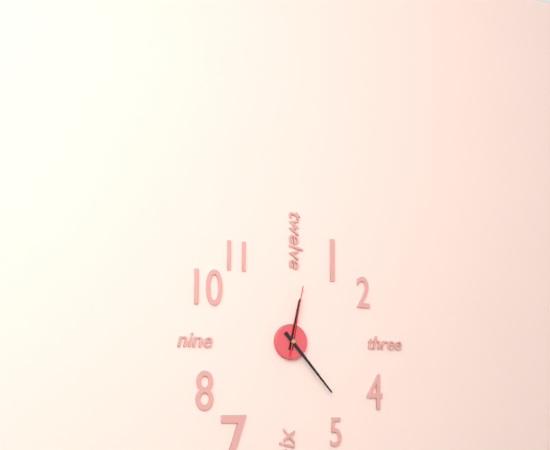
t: h=12 m=23 s=2
